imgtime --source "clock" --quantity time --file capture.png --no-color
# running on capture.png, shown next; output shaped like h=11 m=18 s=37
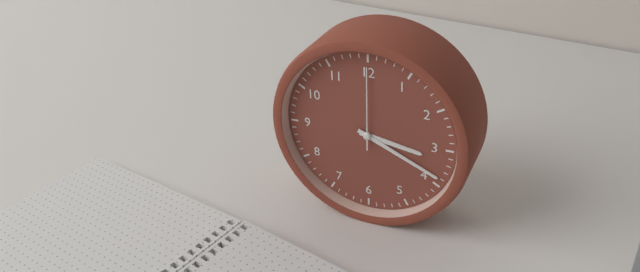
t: h=3 m=19 s=0
